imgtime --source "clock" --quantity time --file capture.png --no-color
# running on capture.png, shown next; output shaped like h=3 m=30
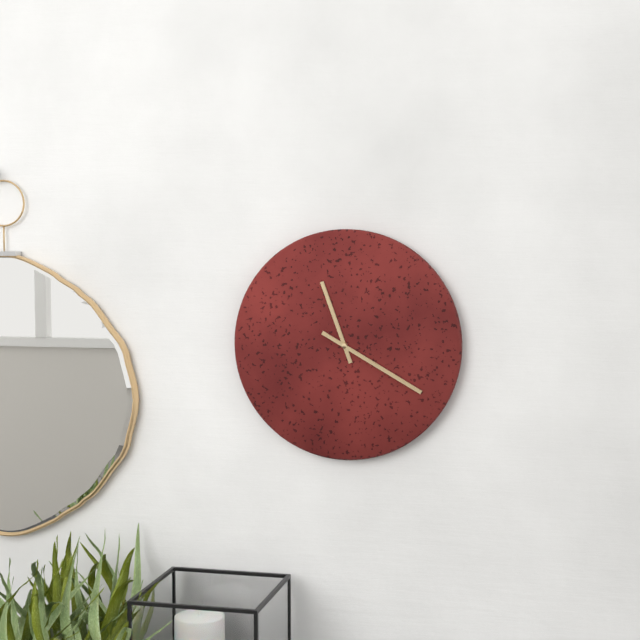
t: h=11 m=20
